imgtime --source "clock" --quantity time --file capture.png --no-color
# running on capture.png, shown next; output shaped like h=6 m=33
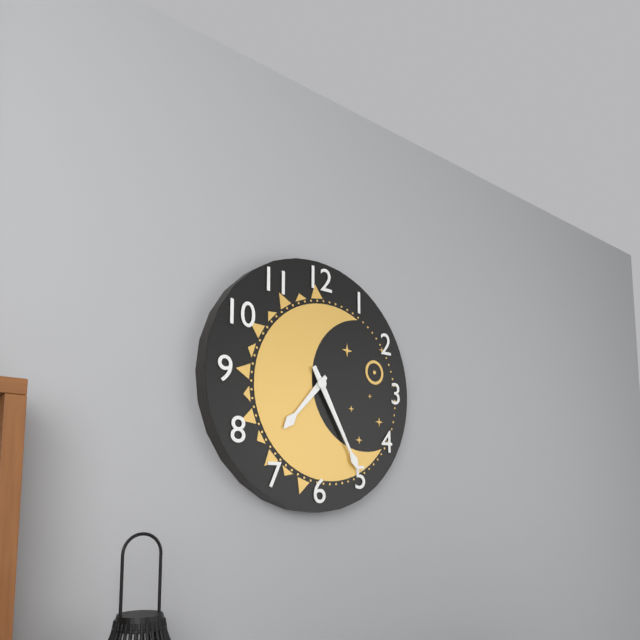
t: h=7 m=25
